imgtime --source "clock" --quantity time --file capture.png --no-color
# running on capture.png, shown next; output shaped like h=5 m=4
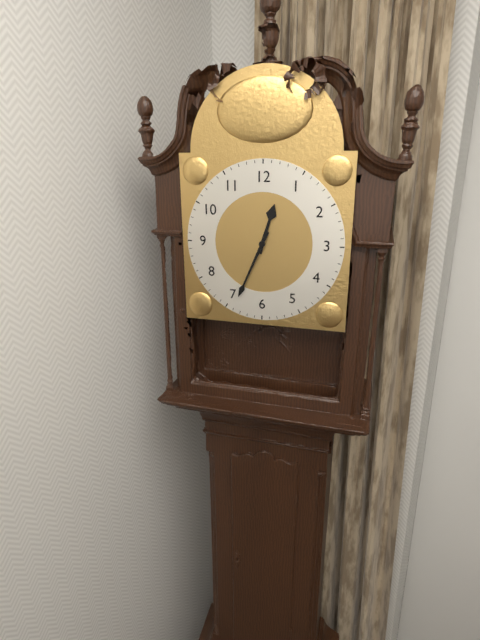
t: h=12 m=34
